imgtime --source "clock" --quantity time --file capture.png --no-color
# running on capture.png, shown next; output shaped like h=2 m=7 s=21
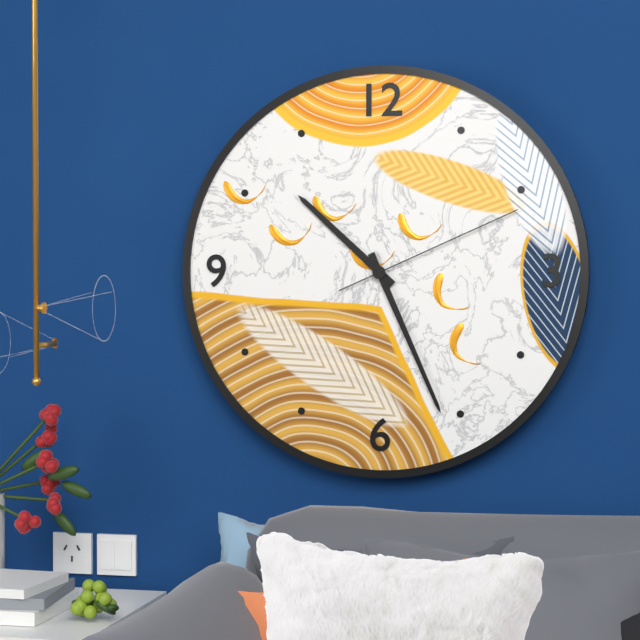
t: h=10 m=26 s=11
